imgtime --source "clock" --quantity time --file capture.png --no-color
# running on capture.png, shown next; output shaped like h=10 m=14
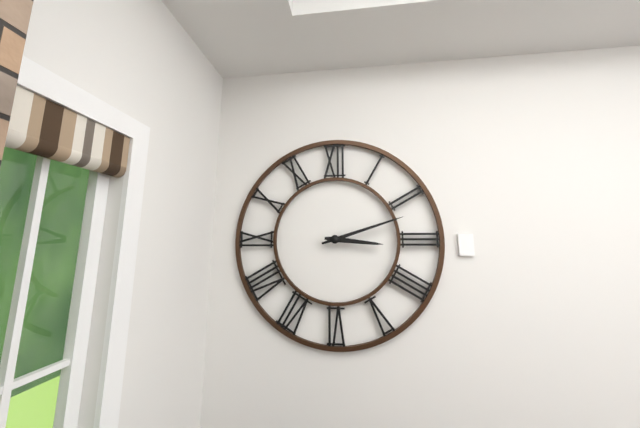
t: h=3 m=12
